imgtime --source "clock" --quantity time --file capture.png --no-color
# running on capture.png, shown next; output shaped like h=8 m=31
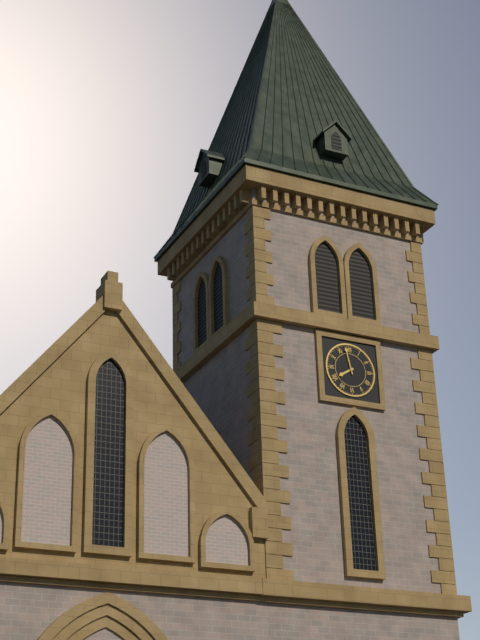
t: h=7 m=58
